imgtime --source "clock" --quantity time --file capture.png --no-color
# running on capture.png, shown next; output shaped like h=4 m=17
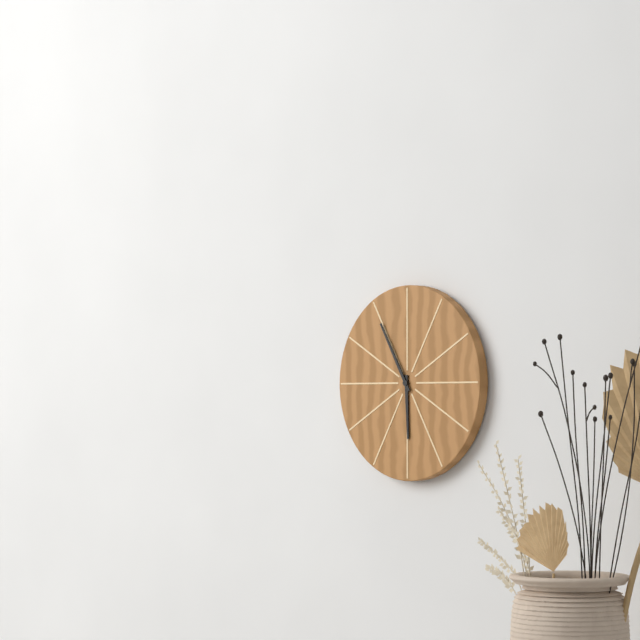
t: h=5 m=55
